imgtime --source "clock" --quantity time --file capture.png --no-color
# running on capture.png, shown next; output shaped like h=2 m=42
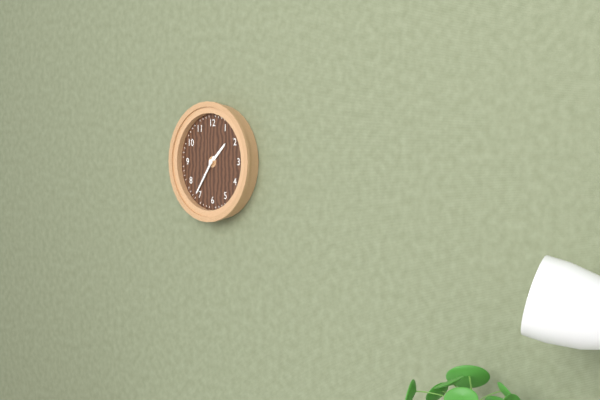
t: h=1 m=36
